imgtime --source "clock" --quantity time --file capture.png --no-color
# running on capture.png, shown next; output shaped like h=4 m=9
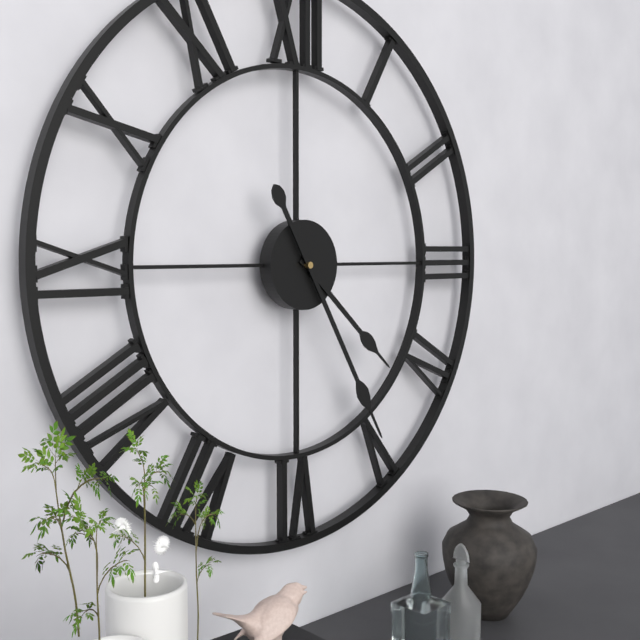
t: h=4 m=25
